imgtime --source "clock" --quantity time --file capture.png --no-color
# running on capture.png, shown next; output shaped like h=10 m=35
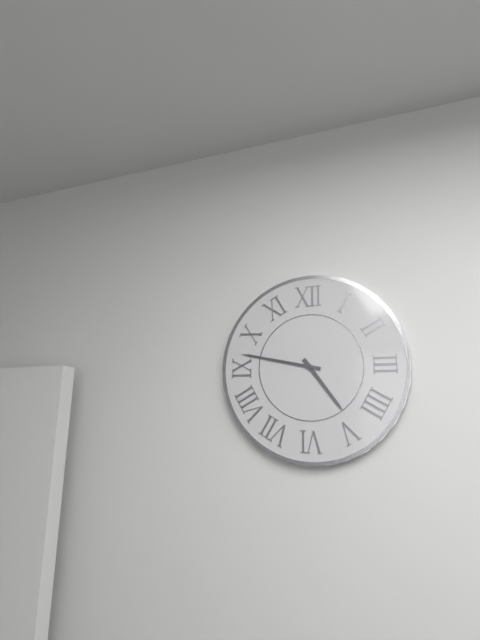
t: h=4 m=47
